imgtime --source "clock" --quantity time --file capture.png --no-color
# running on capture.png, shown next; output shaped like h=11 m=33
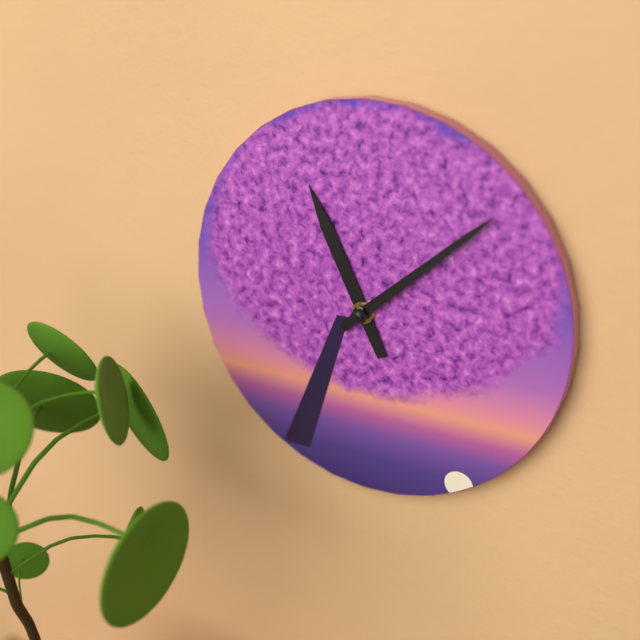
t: h=11 m=8
